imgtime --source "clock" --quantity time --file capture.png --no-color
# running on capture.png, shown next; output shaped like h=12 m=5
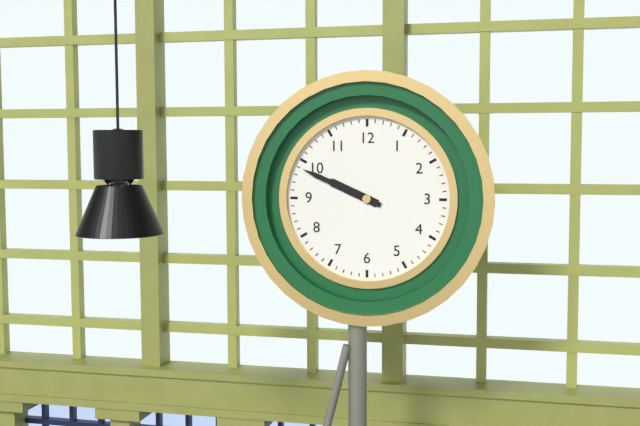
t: h=9 m=49
